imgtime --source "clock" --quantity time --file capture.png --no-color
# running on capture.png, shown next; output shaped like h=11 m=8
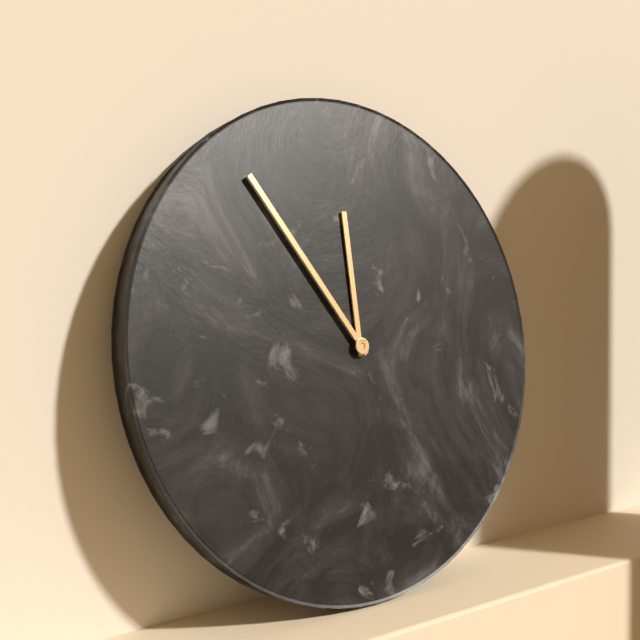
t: h=11 m=54
